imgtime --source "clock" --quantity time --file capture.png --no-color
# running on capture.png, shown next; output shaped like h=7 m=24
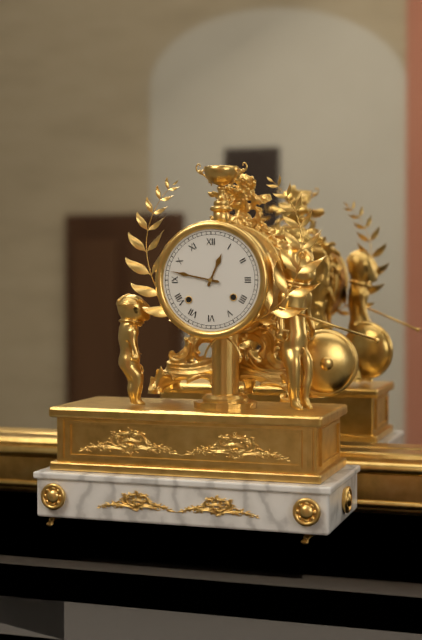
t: h=12 m=47
